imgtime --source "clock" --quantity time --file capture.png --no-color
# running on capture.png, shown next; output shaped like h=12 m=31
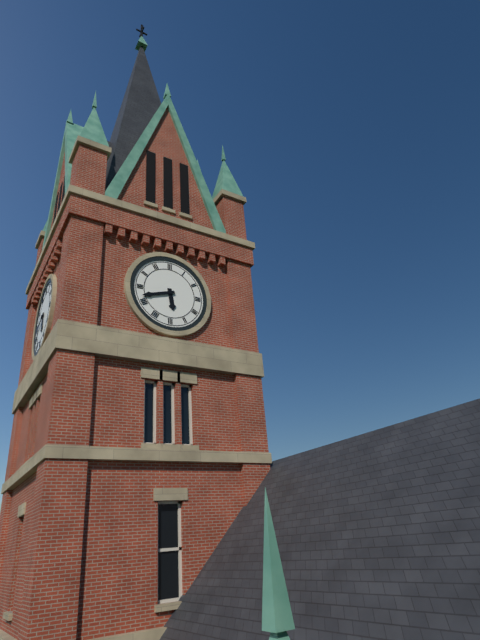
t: h=5 m=42
